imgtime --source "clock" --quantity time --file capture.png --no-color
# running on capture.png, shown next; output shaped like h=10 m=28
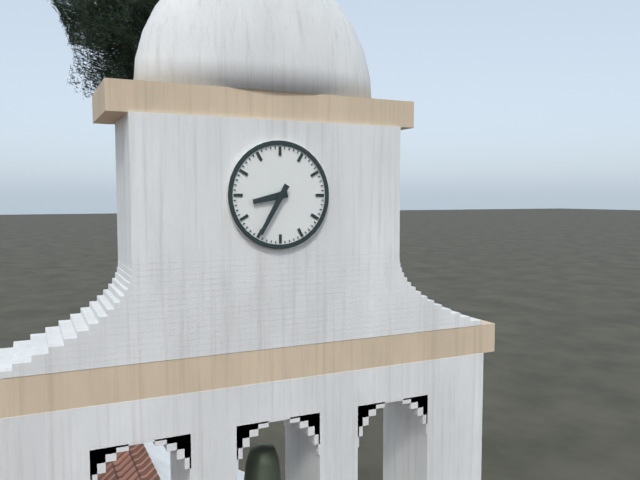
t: h=8 m=35
